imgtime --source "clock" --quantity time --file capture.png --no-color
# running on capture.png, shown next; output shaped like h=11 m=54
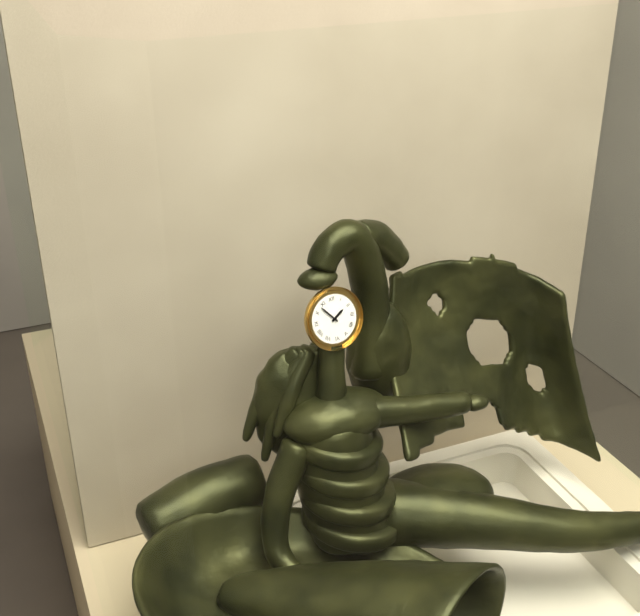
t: h=1 m=53
